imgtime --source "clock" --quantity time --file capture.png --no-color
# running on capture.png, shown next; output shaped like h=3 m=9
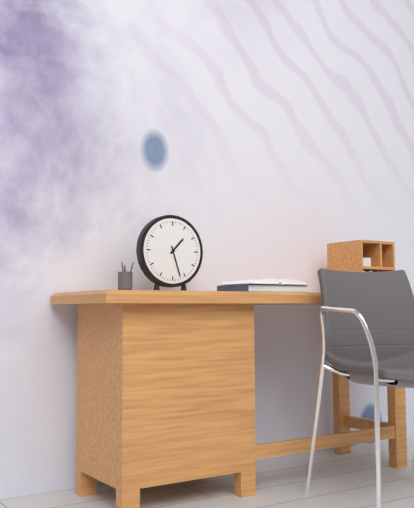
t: h=1 m=27
